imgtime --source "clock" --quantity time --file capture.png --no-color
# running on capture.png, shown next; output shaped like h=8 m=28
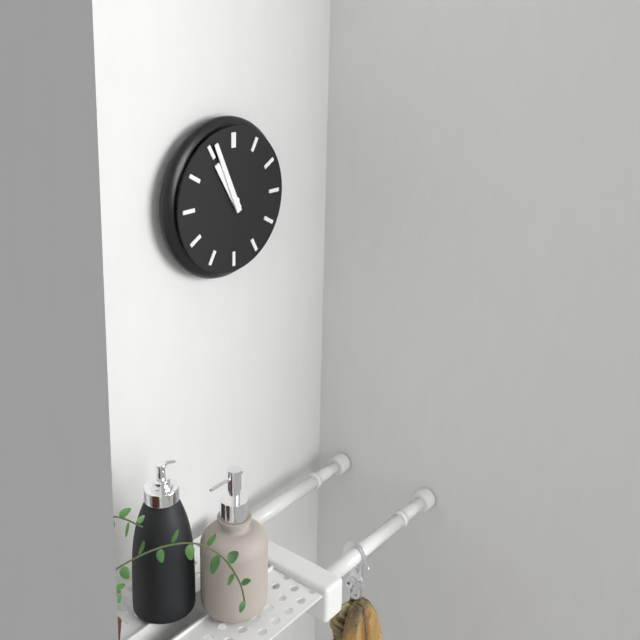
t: h=10 m=56
